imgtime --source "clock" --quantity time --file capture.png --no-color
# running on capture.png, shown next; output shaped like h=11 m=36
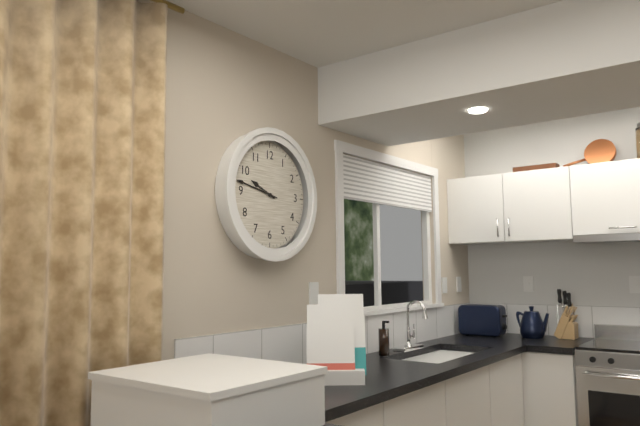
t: h=9 m=47
